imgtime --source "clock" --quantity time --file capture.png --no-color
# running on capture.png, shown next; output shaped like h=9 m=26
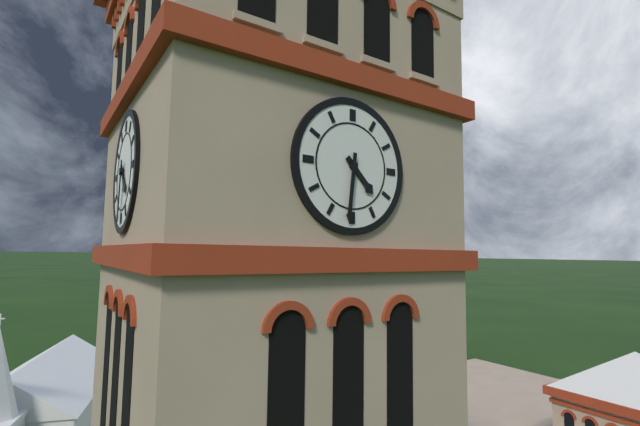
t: h=4 m=31
